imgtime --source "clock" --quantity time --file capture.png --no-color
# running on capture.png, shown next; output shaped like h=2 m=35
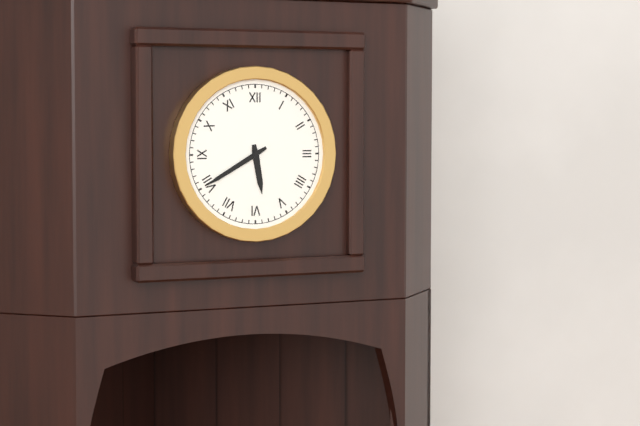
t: h=5 m=40
